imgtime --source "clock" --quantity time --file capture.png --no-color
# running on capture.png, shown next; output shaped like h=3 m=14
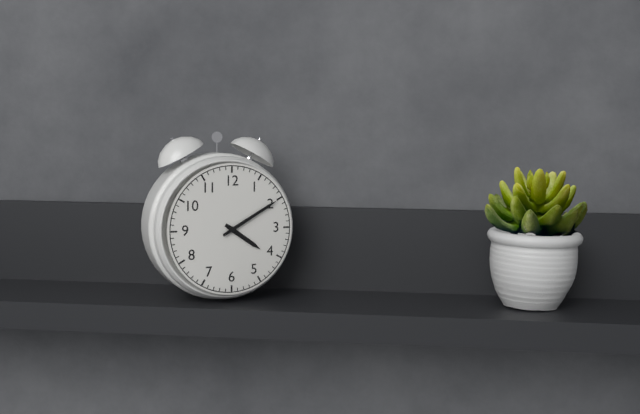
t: h=4 m=10
